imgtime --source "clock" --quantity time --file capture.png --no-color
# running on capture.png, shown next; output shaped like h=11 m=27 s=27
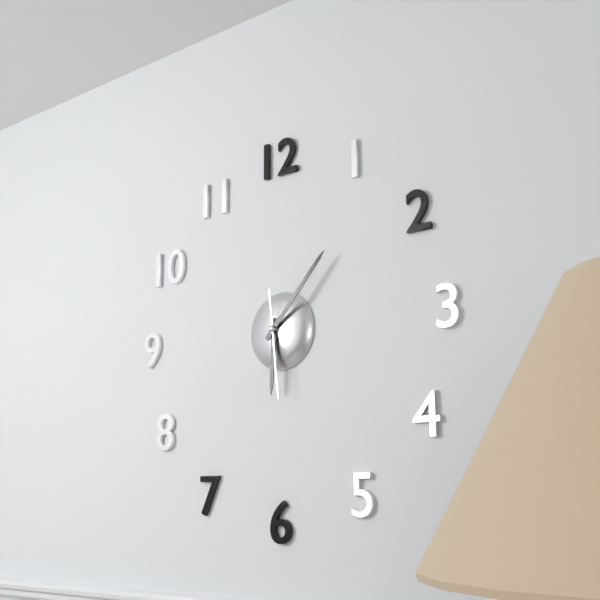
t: h=6 m=7 s=29
